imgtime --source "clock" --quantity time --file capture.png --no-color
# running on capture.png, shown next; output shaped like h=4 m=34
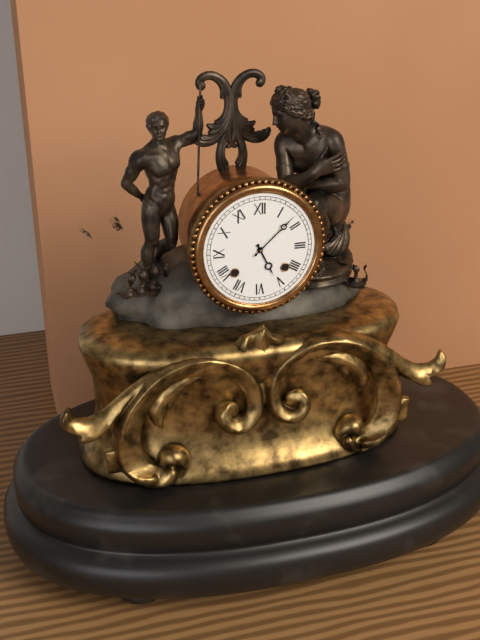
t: h=5 m=8
